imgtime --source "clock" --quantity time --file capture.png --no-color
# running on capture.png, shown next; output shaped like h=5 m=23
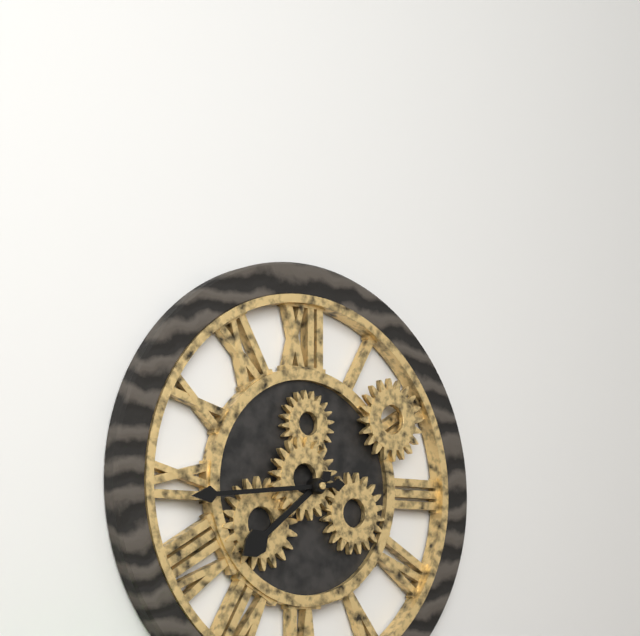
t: h=7 m=44
